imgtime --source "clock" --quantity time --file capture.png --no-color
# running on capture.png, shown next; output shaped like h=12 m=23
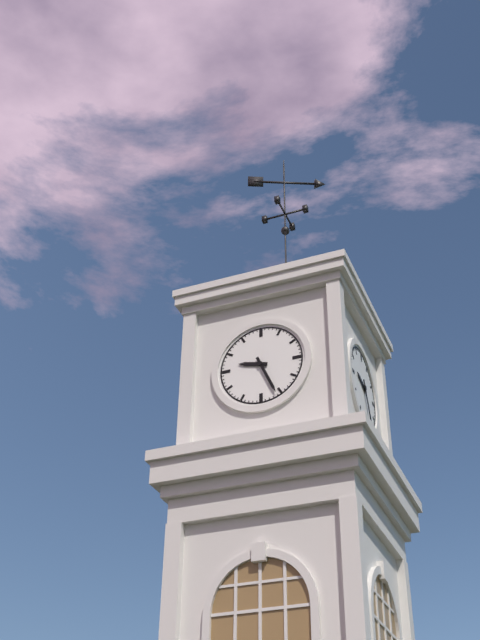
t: h=9 m=26
